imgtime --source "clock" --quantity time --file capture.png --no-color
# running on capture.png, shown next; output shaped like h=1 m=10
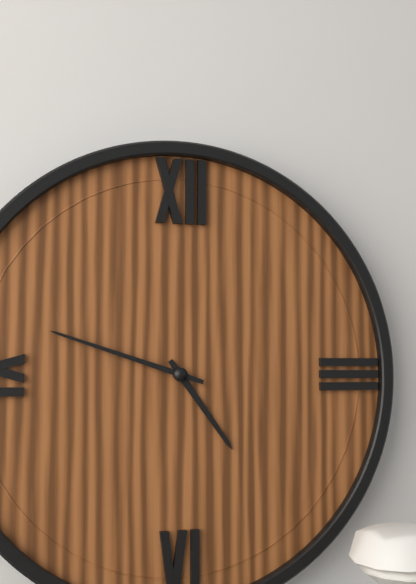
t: h=4 m=48
